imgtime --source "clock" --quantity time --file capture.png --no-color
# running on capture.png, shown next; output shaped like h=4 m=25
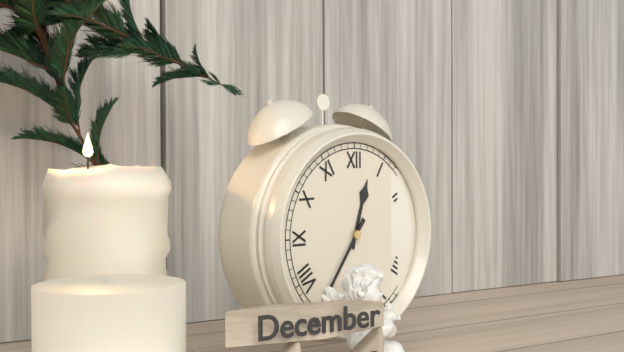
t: h=12 m=36
